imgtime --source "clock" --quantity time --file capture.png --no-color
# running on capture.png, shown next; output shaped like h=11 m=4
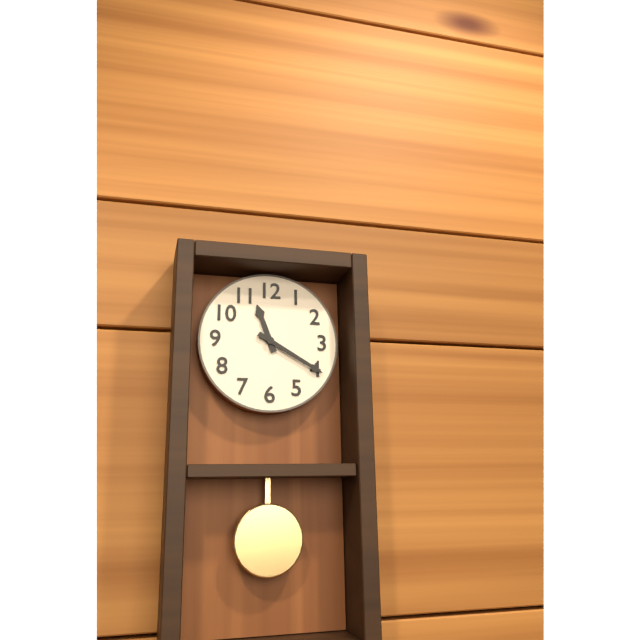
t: h=11 m=20
